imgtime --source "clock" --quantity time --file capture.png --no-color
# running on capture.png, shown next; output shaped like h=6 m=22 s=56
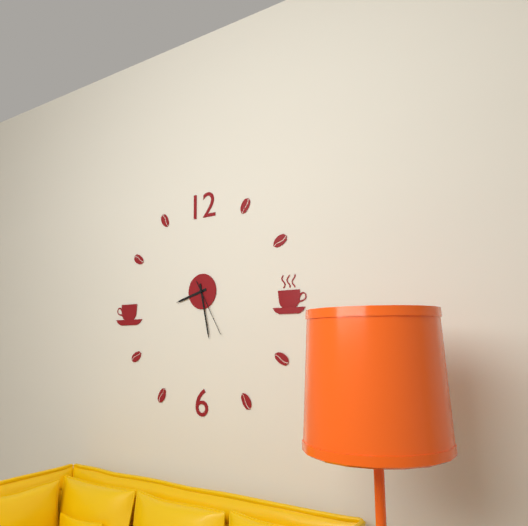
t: h=8 m=28 s=25
